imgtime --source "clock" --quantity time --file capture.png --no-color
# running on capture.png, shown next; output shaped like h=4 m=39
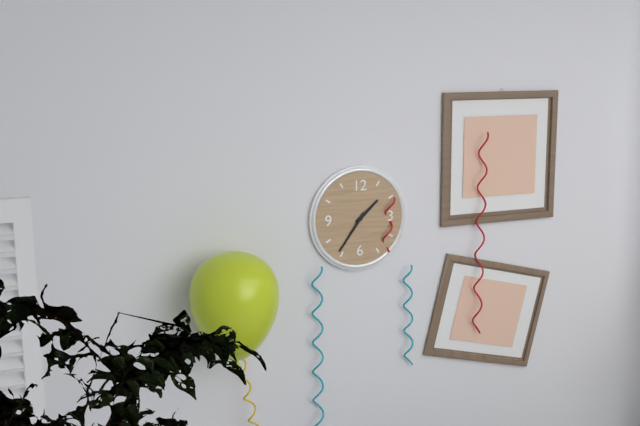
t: h=1 m=36
